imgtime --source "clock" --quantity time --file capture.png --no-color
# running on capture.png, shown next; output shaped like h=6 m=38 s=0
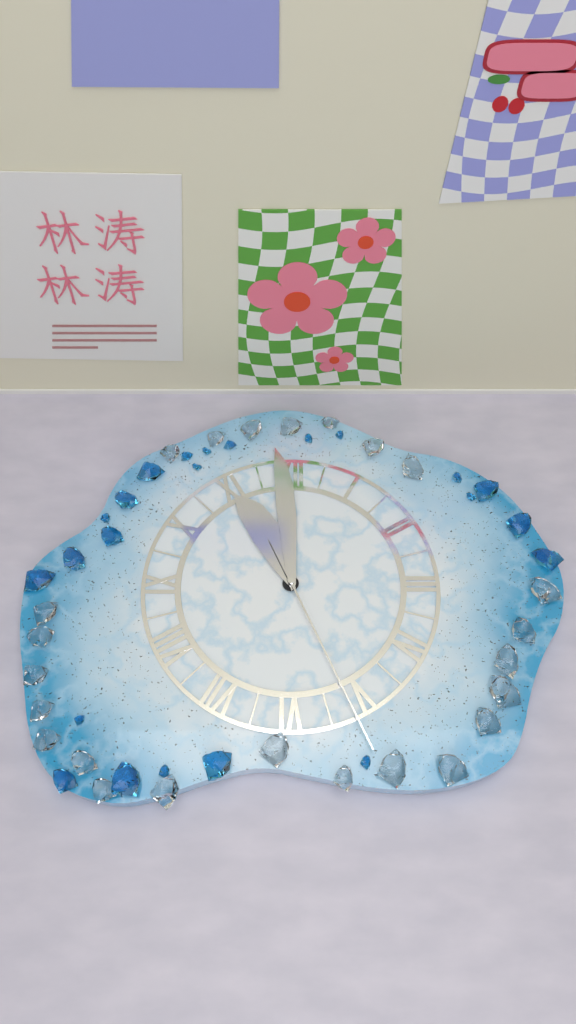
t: h=10 m=59 s=26
